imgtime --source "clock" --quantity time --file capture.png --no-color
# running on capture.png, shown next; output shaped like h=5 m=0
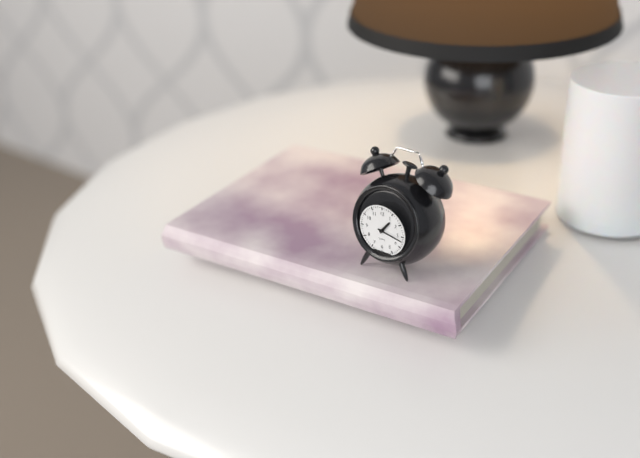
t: h=1 m=17
